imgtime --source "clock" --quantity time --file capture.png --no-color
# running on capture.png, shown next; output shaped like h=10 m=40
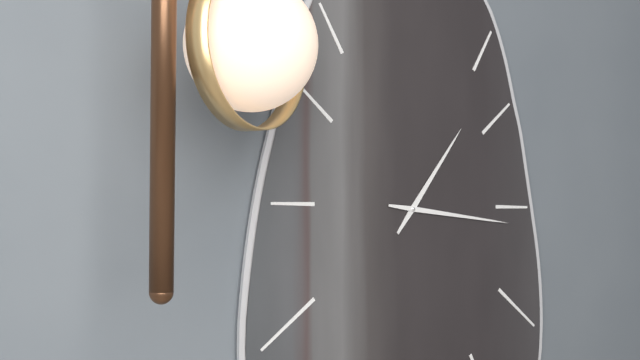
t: h=1 m=16
